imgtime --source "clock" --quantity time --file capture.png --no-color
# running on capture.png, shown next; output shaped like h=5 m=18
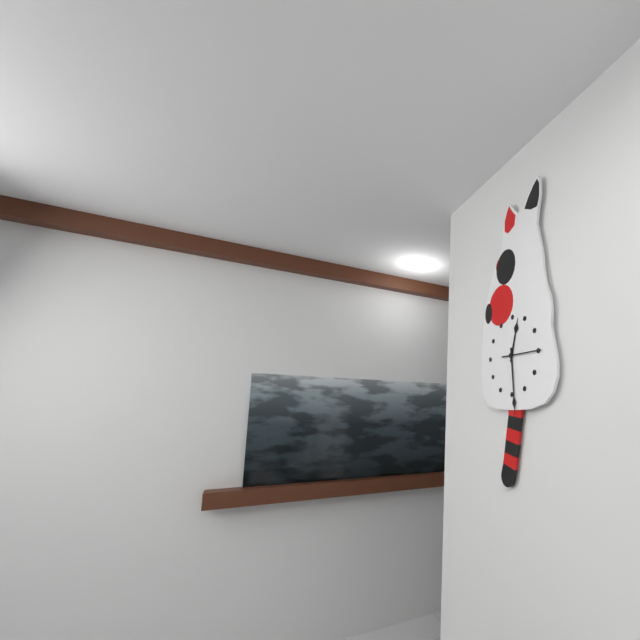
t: h=12 m=29
